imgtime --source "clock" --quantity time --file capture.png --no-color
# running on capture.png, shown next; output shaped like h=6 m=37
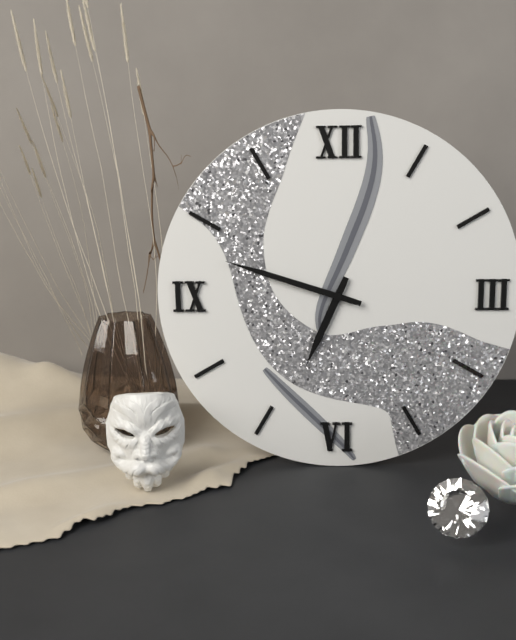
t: h=6 m=48
